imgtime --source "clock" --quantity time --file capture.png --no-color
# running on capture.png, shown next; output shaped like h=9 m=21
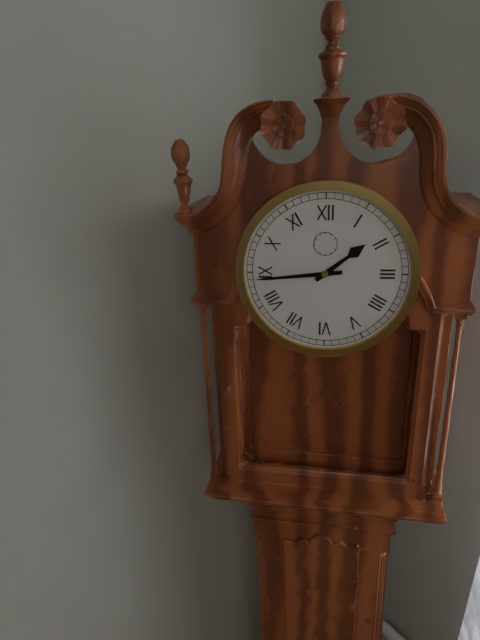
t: h=1 m=44
